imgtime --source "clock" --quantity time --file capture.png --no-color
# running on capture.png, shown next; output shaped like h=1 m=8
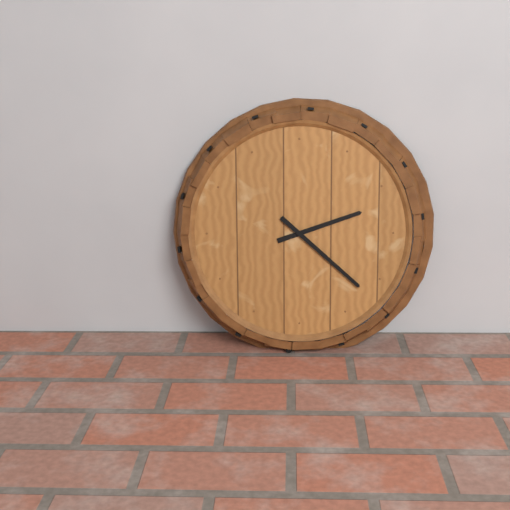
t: h=2 m=22
